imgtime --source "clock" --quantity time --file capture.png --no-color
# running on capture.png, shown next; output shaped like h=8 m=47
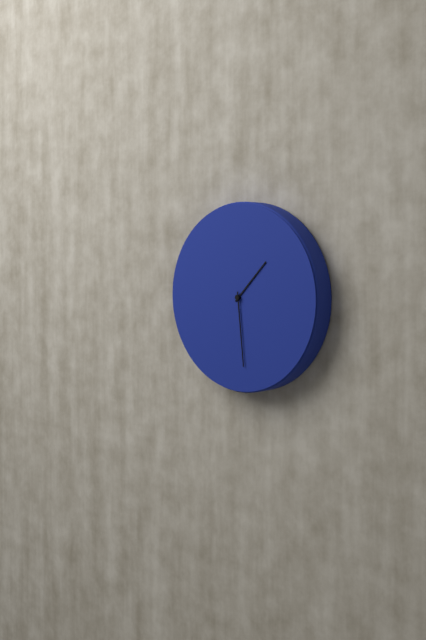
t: h=1 m=29
